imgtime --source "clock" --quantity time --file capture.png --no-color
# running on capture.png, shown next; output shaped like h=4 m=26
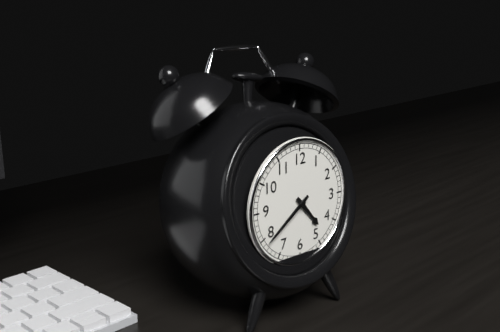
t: h=4 m=39
